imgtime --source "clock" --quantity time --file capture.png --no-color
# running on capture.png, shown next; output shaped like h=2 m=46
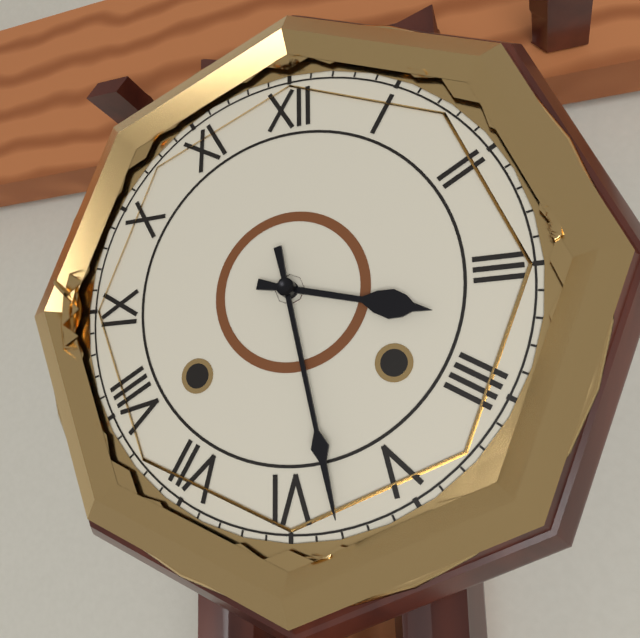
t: h=3 m=28
